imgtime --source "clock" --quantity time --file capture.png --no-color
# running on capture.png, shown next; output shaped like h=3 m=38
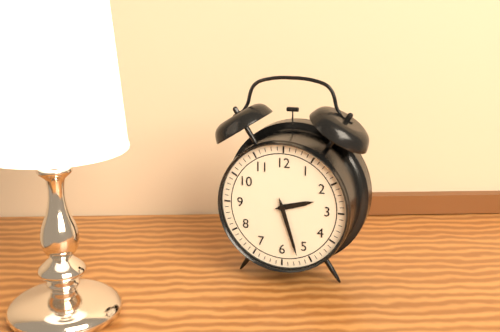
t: h=2 m=27
